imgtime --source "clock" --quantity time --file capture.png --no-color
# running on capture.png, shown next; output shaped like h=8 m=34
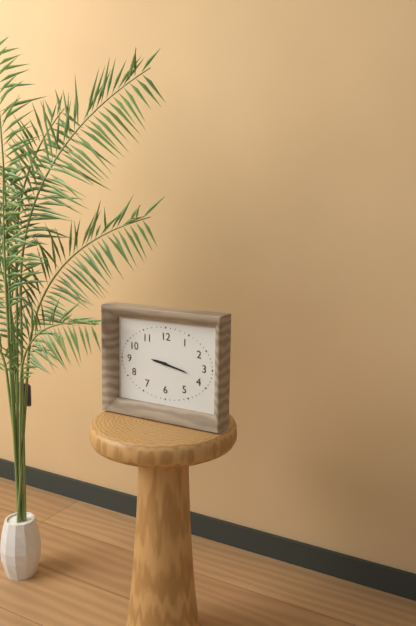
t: h=9 m=17
